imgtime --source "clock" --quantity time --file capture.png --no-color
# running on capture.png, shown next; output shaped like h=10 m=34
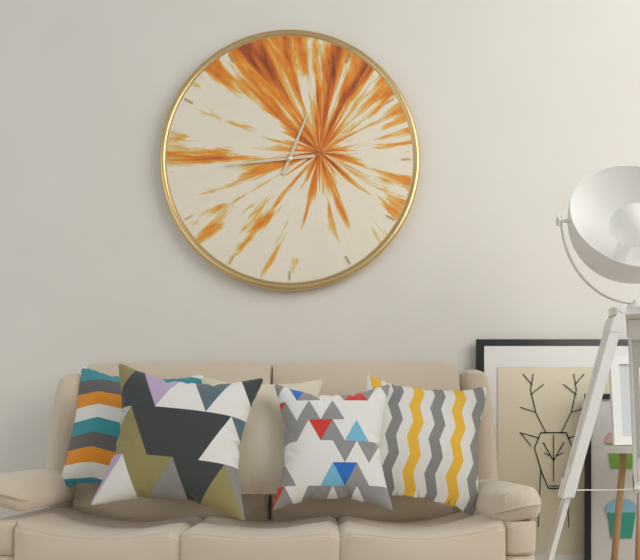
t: h=12 m=44
